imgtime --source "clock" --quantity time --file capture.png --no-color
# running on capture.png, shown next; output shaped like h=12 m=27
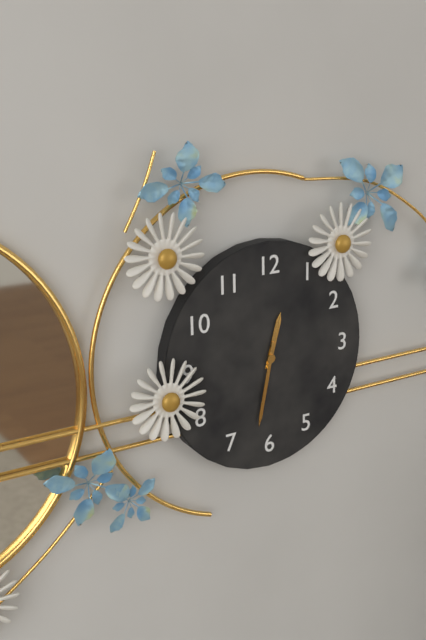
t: h=12 m=32
